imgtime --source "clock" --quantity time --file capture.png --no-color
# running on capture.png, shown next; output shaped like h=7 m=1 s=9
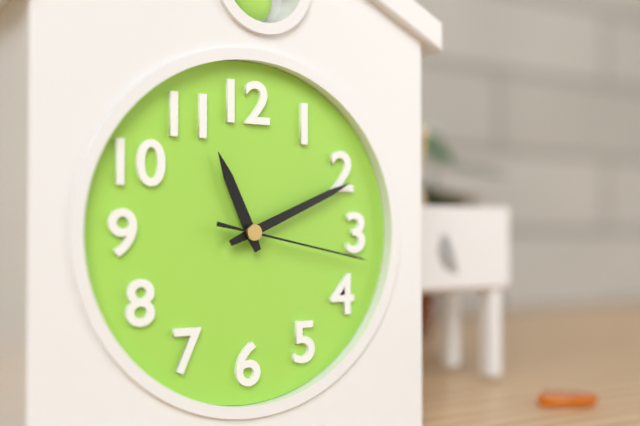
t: h=11 m=11 s=17
